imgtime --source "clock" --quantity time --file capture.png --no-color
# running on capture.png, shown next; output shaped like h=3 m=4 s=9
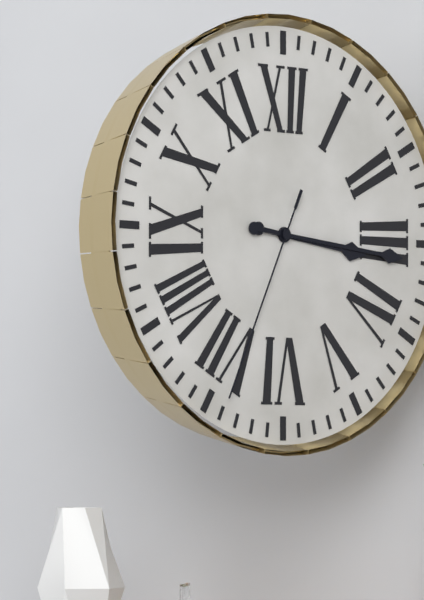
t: h=3 m=16 s=34
